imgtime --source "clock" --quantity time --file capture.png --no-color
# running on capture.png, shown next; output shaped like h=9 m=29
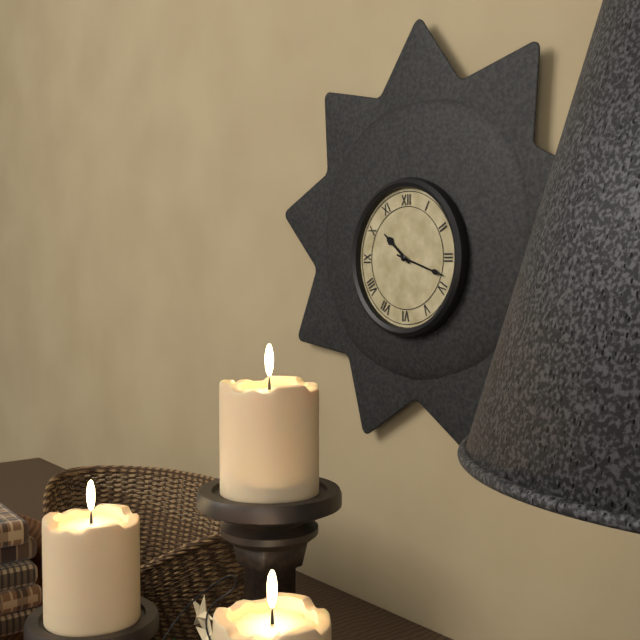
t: h=10 m=18
